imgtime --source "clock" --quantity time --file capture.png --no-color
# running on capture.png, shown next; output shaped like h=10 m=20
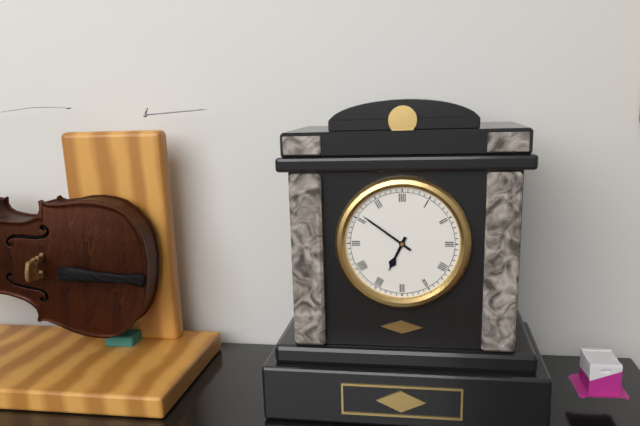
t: h=6 m=51
